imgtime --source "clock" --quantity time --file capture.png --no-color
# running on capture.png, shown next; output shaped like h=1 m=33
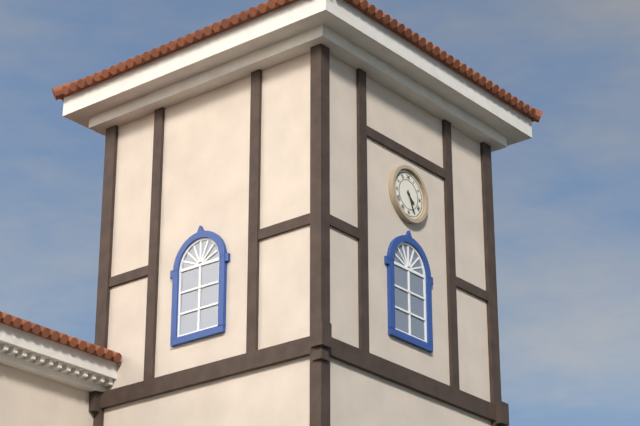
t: h=4 m=26
